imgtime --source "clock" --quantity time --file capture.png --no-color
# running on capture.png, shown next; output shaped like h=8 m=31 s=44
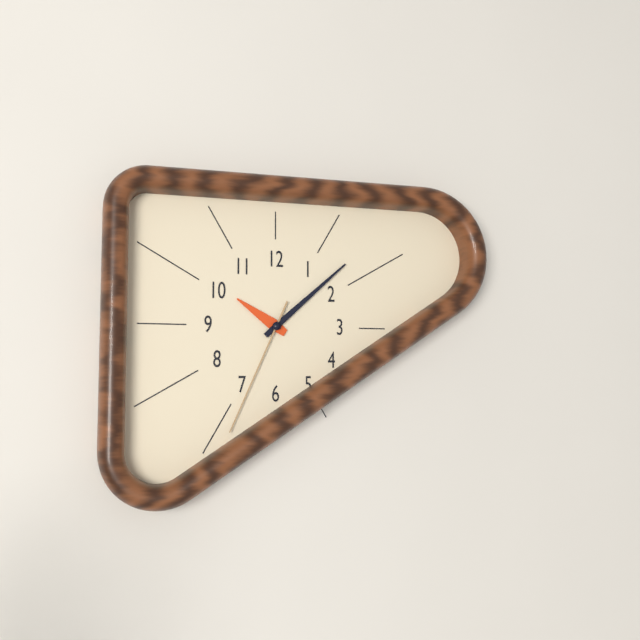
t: h=10 m=8 s=34
